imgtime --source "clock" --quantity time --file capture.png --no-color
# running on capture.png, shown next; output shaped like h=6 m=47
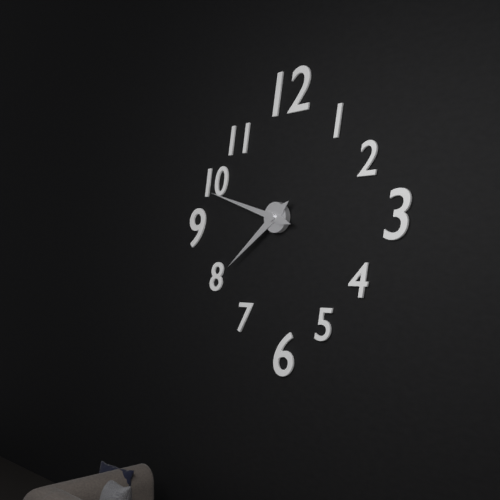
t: h=7 m=48
